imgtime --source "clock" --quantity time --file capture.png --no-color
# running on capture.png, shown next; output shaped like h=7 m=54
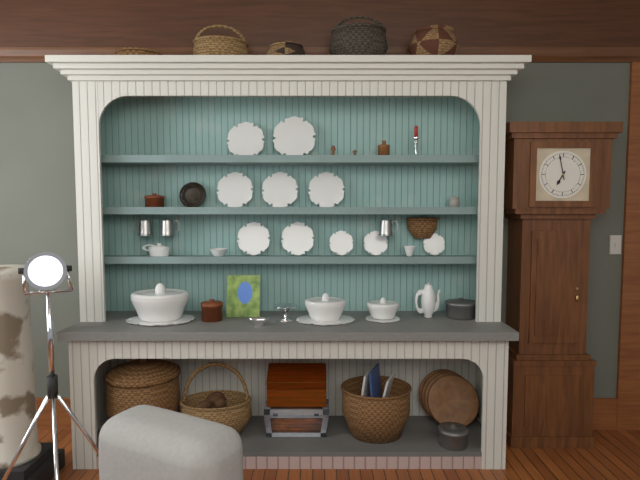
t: h=6 m=58
